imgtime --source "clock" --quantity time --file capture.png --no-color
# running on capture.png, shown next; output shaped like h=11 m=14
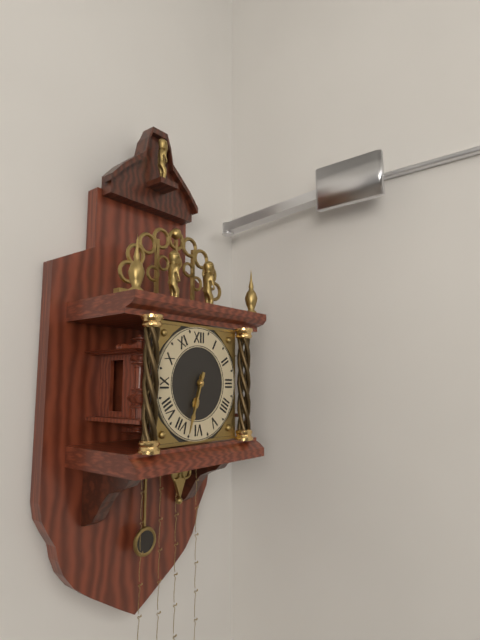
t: h=6 m=33
